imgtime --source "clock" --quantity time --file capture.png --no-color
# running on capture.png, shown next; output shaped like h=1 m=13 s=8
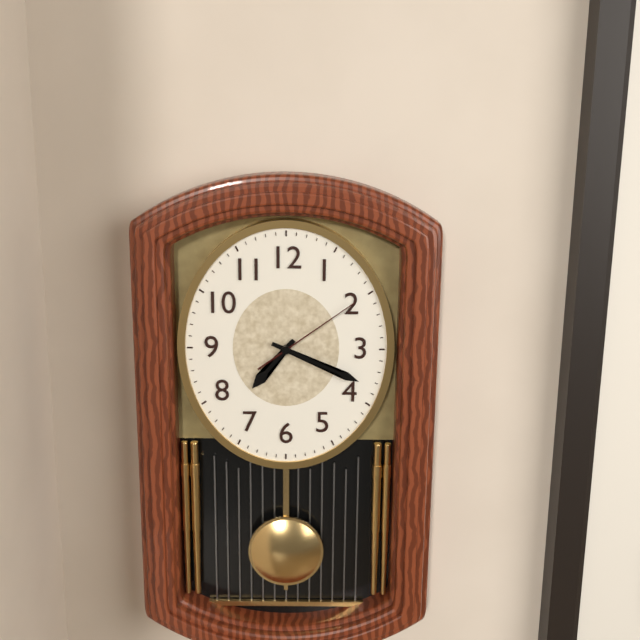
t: h=7 m=19 s=9
